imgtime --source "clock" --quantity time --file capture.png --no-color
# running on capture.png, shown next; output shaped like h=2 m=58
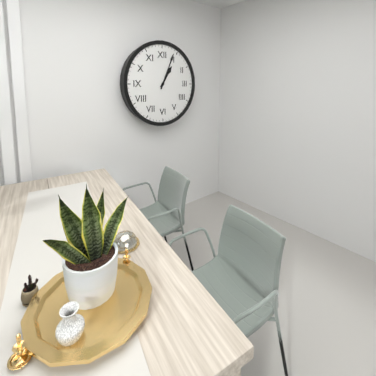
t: h=1 m=4
